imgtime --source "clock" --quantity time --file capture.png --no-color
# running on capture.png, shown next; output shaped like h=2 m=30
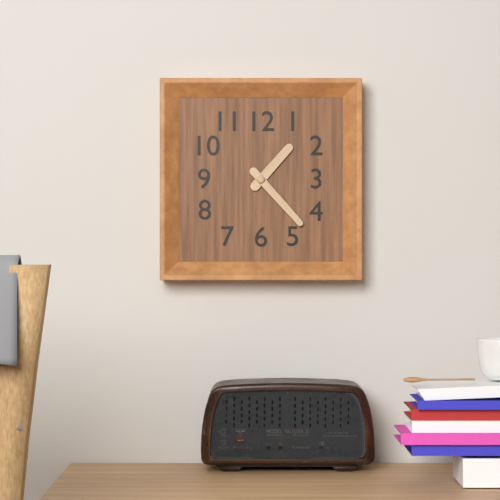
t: h=1 m=23
